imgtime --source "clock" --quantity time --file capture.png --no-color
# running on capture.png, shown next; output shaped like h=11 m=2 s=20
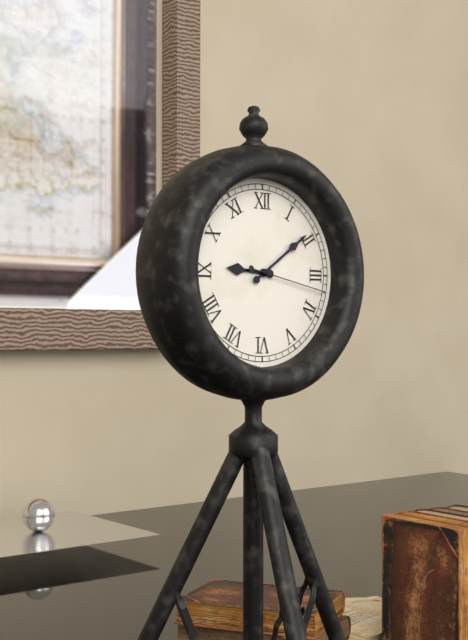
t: h=9 m=9 s=17
